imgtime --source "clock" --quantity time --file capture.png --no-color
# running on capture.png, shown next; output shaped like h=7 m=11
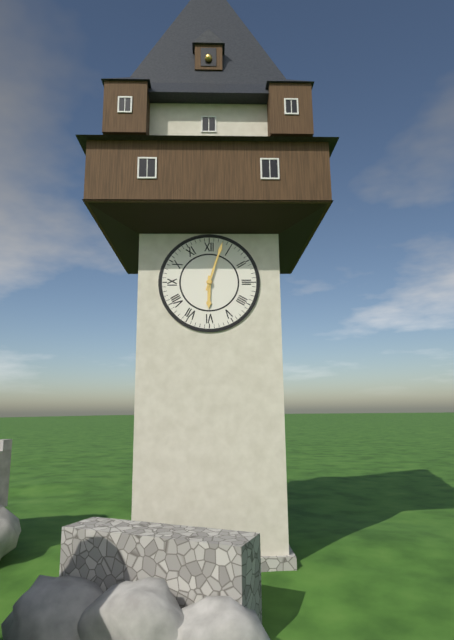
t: h=6 m=3
